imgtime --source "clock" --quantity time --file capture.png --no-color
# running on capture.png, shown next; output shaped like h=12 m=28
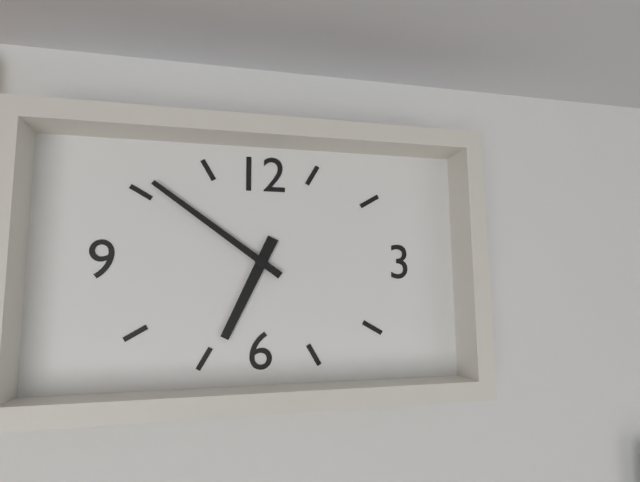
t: h=6 m=51
